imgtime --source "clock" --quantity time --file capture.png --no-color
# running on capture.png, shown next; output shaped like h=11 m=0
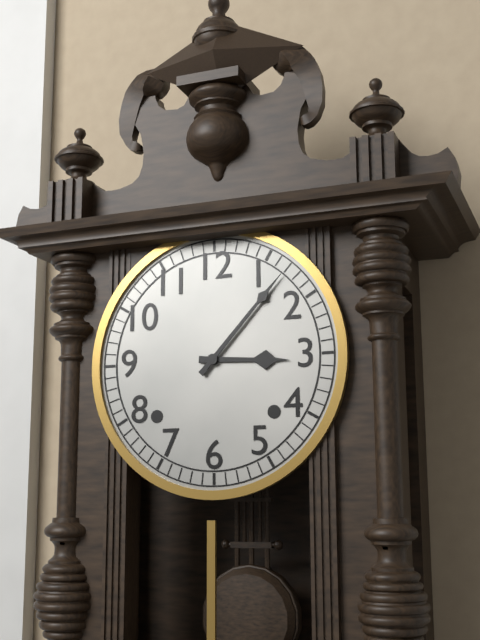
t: h=3 m=7
